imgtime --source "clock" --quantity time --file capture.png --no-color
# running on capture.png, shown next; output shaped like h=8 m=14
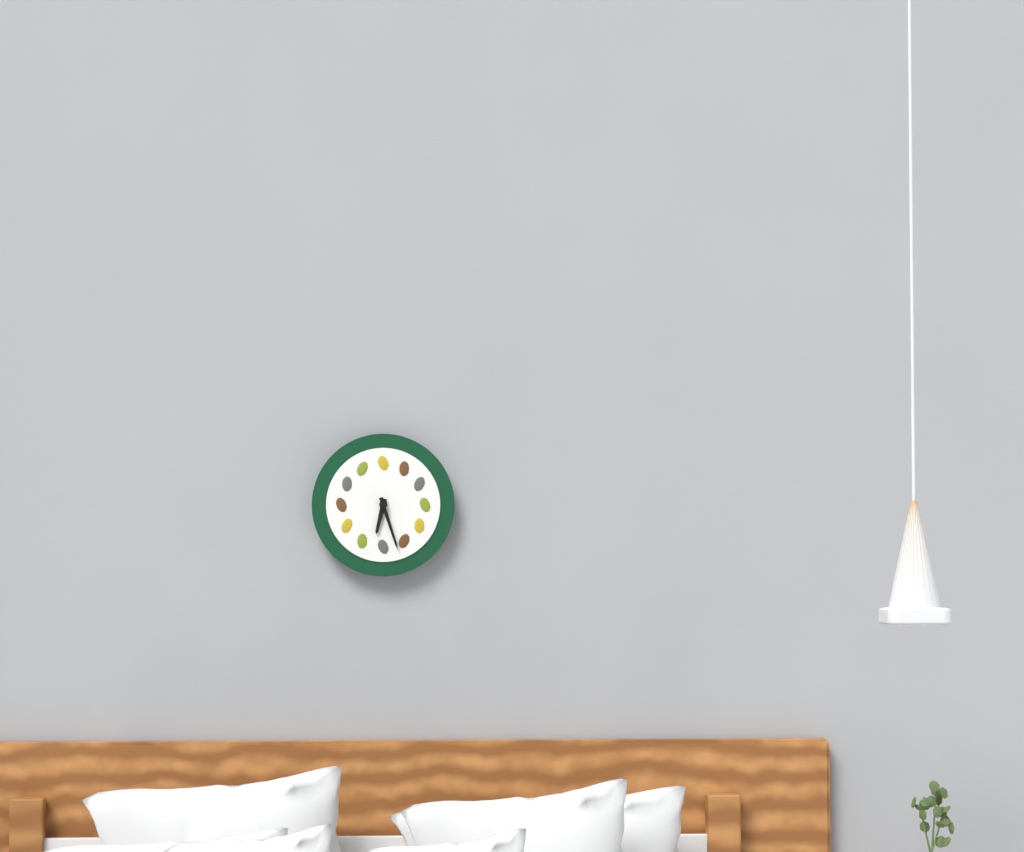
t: h=6 m=27
